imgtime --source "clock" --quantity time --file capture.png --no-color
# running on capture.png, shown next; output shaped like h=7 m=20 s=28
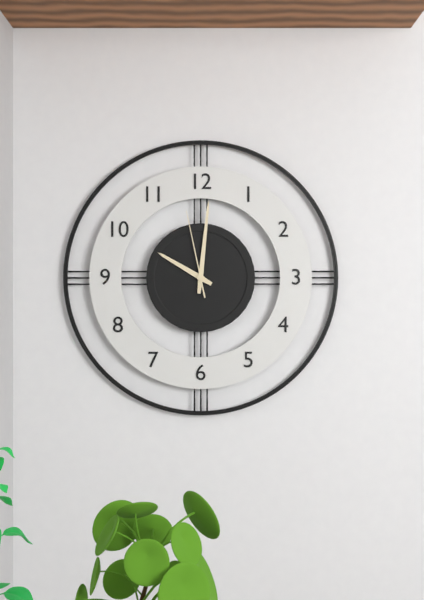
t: h=10 m=1 s=58
